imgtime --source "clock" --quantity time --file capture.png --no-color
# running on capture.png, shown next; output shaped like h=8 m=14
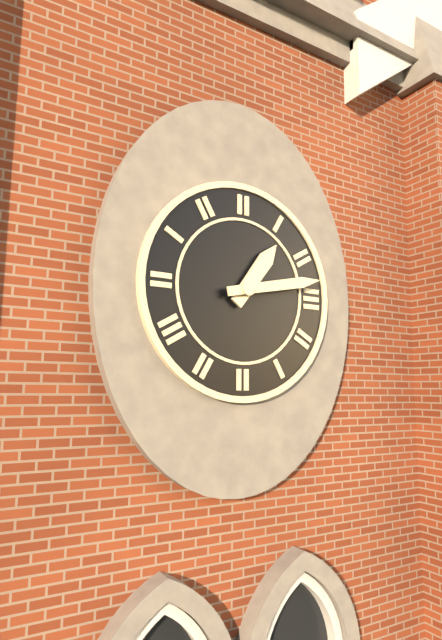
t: h=1 m=13
